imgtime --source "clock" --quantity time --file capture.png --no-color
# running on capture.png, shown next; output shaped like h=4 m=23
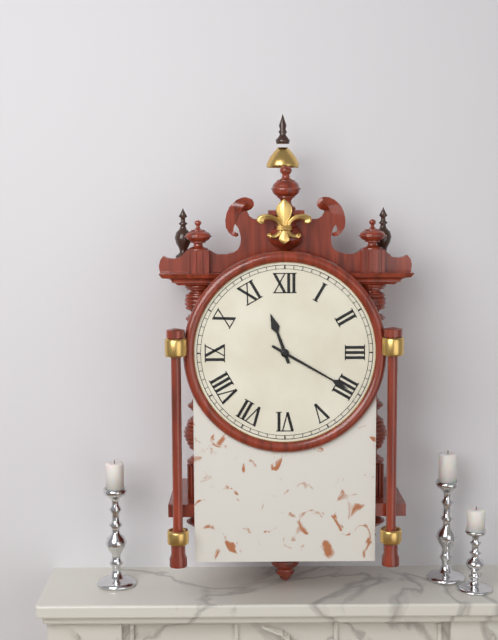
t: h=11 m=20
